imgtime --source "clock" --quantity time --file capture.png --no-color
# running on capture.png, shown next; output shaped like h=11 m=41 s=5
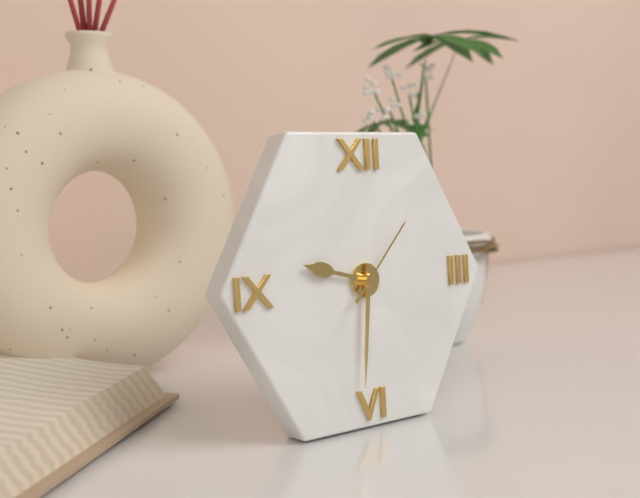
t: h=9 m=31 s=7
